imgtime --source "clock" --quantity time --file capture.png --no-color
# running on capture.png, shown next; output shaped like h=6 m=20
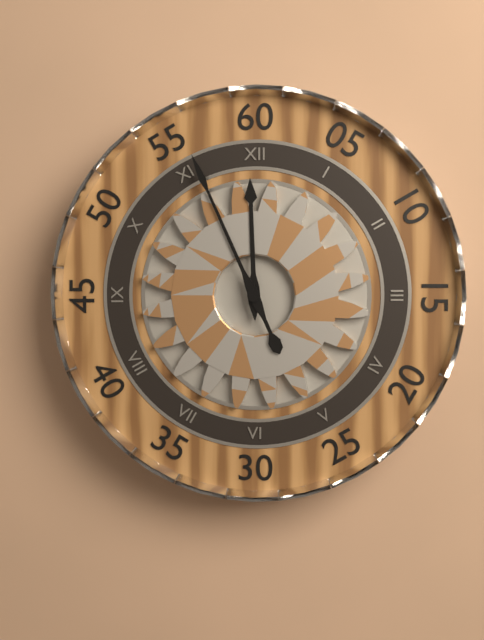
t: h=11 m=56
